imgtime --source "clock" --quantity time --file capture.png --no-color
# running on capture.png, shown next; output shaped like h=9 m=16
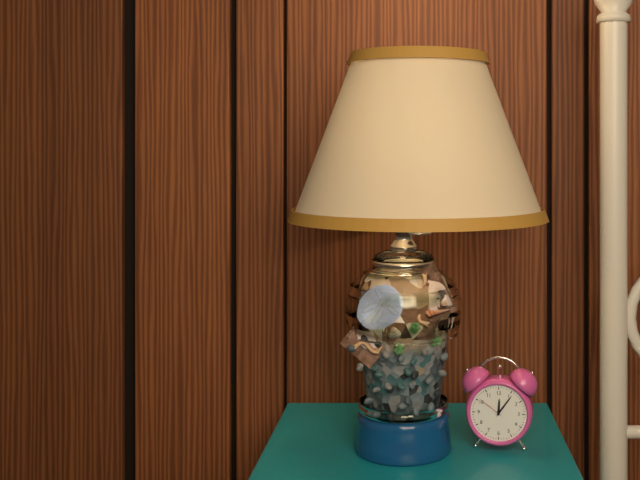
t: h=12 m=6
